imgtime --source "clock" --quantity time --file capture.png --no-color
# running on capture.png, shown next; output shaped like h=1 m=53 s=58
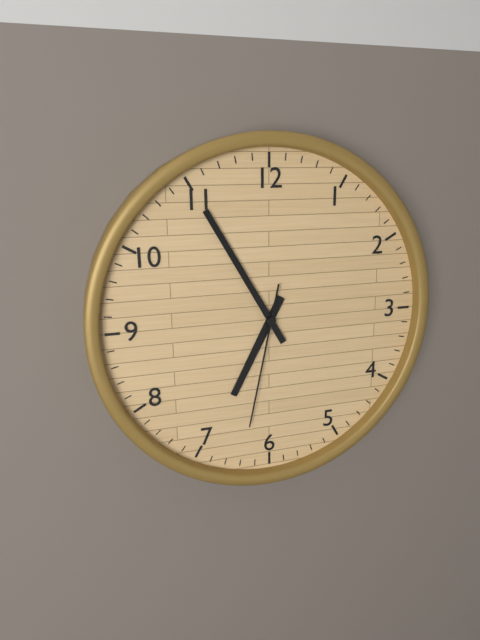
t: h=6 m=55 s=32
